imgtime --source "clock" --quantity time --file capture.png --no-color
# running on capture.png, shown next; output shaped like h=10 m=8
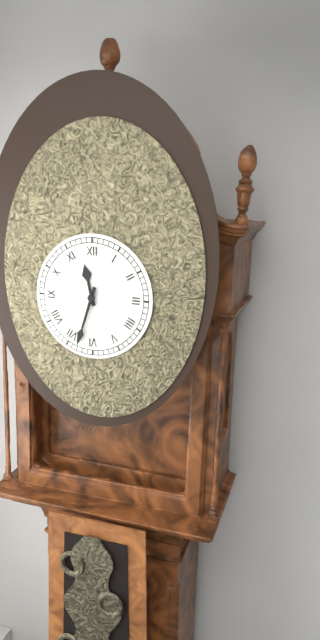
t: h=11 m=33
